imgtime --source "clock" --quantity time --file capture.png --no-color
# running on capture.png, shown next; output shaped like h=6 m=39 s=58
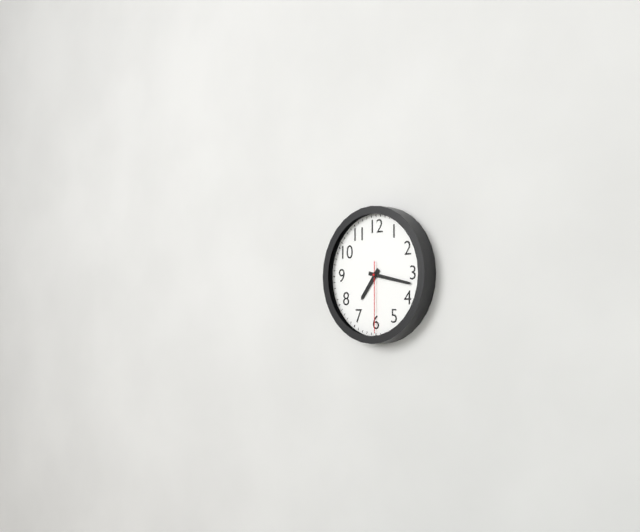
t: h=7 m=17 s=30
